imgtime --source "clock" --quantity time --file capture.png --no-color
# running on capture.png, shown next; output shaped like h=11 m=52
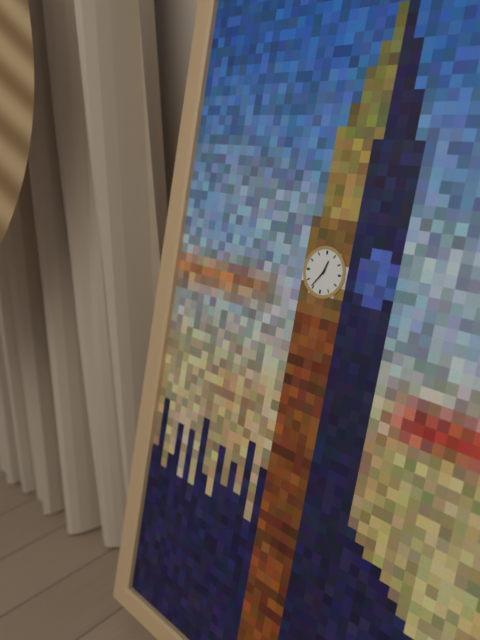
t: h=12 m=36
